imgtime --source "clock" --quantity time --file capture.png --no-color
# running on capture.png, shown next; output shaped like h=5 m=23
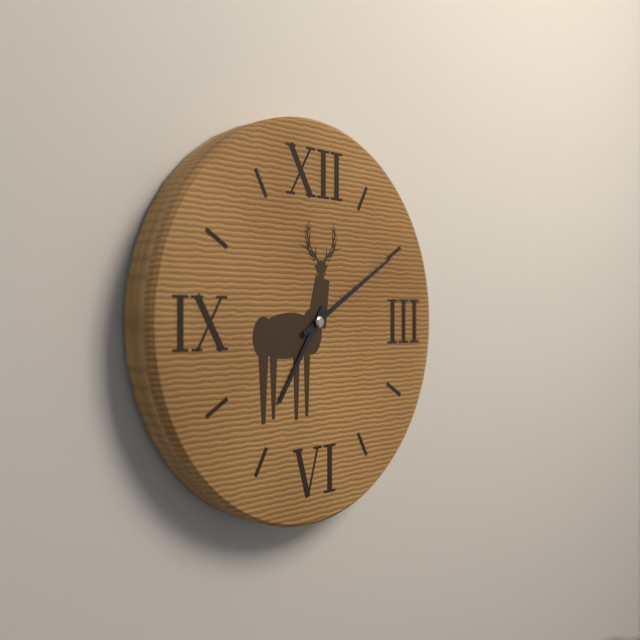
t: h=7 m=10
